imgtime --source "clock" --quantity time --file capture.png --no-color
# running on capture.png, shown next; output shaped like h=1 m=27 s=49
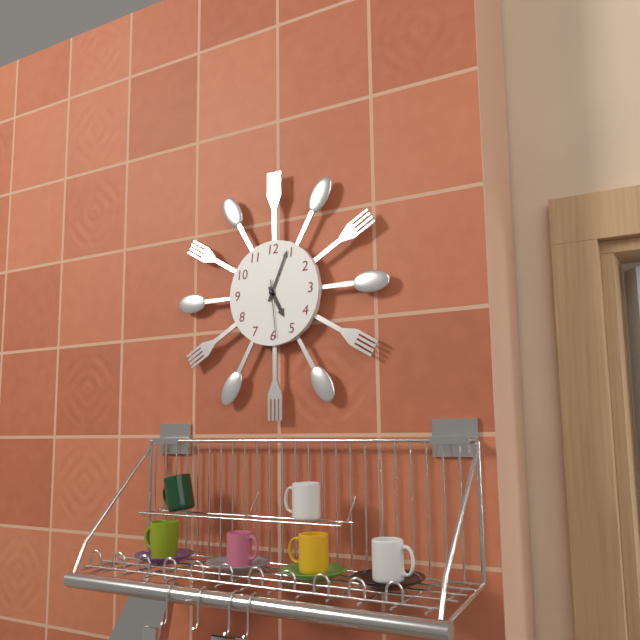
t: h=5 m=4 s=29
